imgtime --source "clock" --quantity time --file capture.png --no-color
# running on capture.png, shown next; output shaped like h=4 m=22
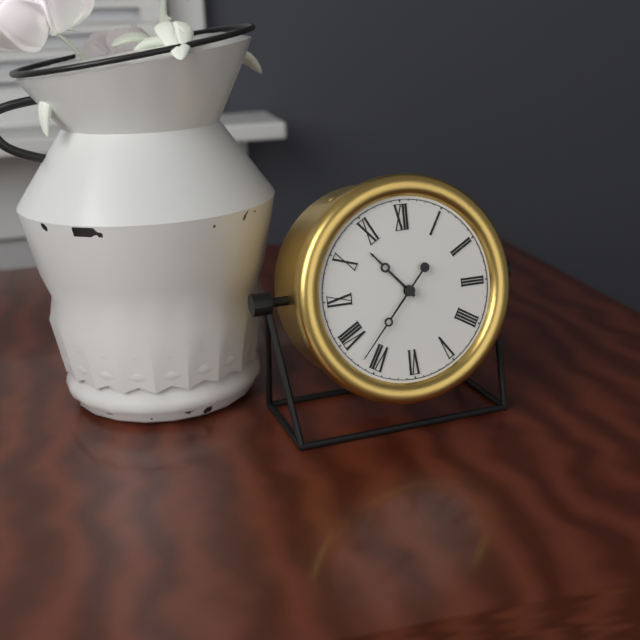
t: h=10 m=37
